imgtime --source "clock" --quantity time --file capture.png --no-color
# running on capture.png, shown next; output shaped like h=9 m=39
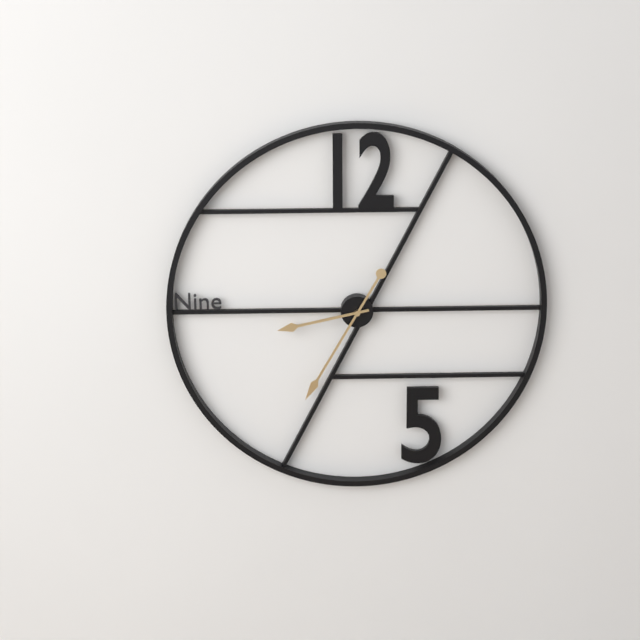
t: h=8 m=35
